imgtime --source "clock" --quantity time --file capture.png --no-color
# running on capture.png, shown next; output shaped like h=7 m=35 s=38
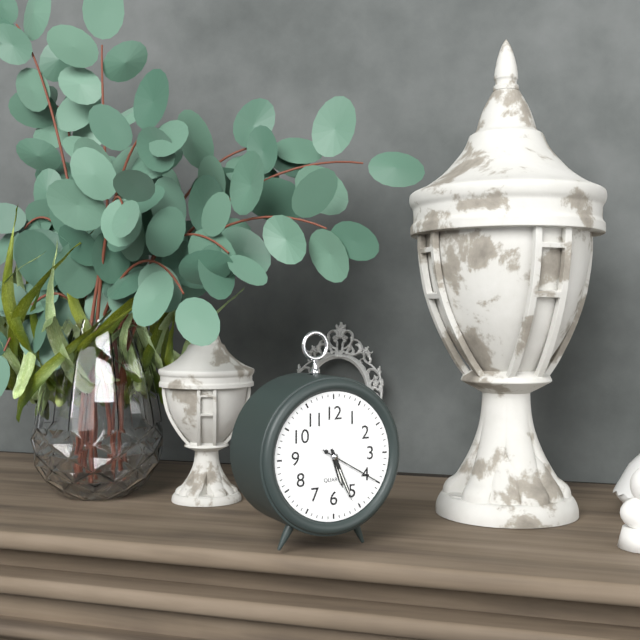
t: h=5 m=26 s=20
